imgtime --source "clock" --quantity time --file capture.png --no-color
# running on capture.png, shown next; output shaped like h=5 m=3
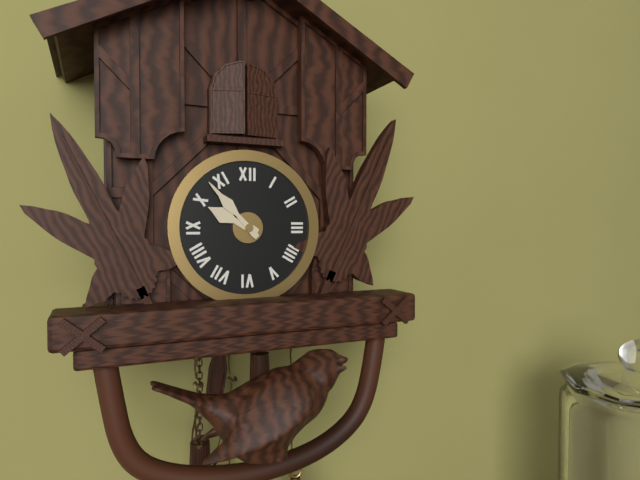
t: h=9 m=53
